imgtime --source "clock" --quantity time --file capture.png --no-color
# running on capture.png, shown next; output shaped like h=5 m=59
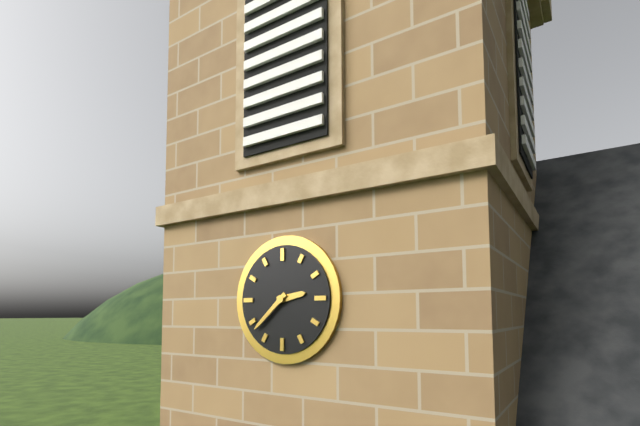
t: h=2 m=38
